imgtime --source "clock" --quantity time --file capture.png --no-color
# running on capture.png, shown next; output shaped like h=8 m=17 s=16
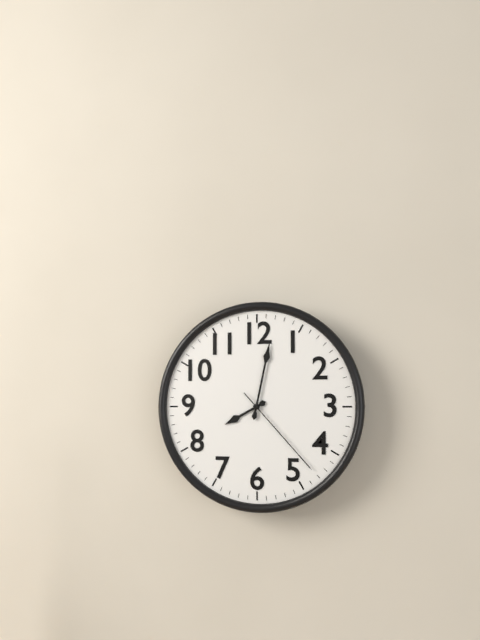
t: h=8 m=2 s=23
